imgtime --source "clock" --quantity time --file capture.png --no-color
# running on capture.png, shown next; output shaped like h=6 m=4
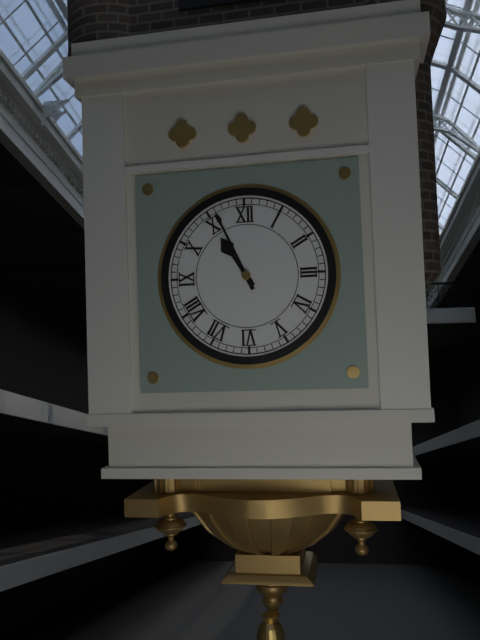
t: h=10 m=56
